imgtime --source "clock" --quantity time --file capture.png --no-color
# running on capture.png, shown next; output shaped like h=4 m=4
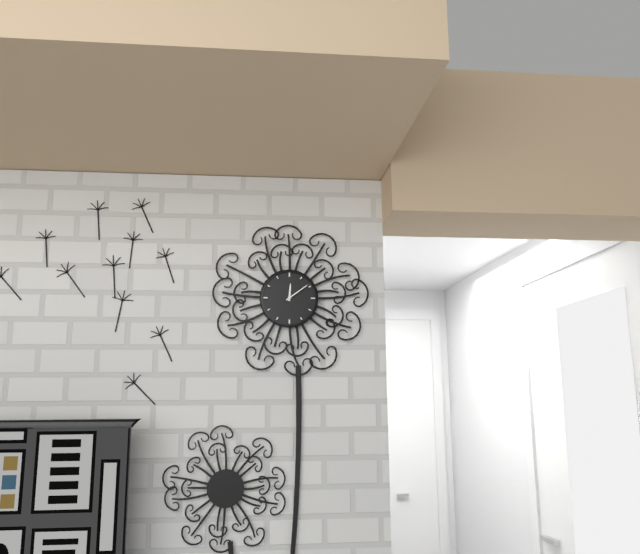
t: h=12 m=9
